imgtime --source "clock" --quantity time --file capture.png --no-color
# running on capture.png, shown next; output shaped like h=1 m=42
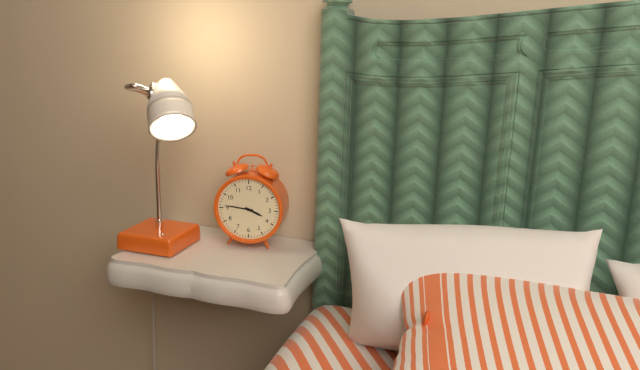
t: h=3 m=46
